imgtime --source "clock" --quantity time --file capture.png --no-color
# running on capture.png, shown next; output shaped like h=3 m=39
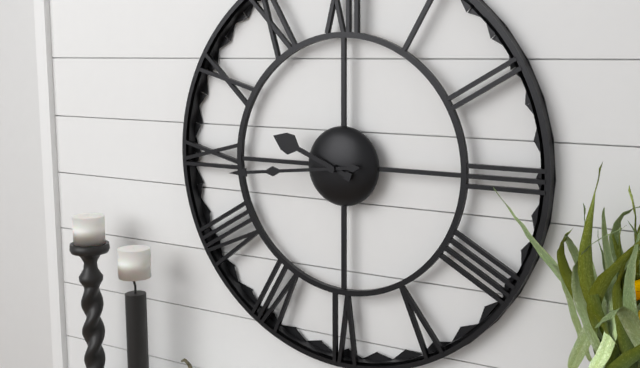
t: h=9 m=44
